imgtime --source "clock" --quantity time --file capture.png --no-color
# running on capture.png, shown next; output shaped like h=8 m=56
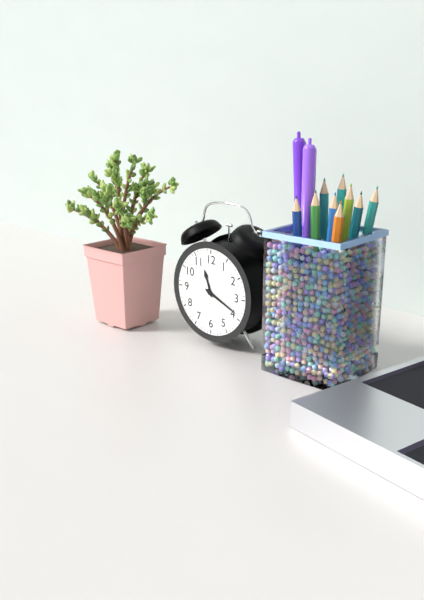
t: h=11 m=19
